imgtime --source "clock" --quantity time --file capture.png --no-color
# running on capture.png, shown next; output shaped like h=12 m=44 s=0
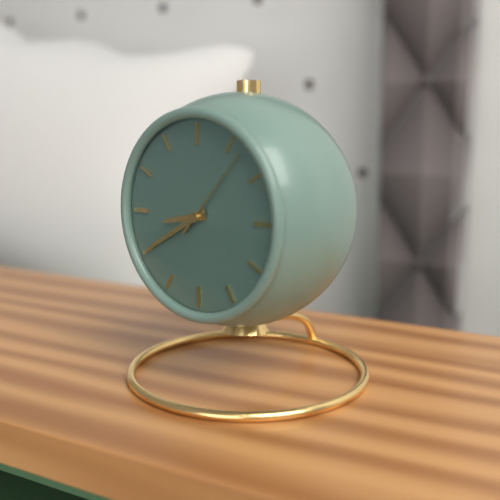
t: h=8 m=40 s=7
